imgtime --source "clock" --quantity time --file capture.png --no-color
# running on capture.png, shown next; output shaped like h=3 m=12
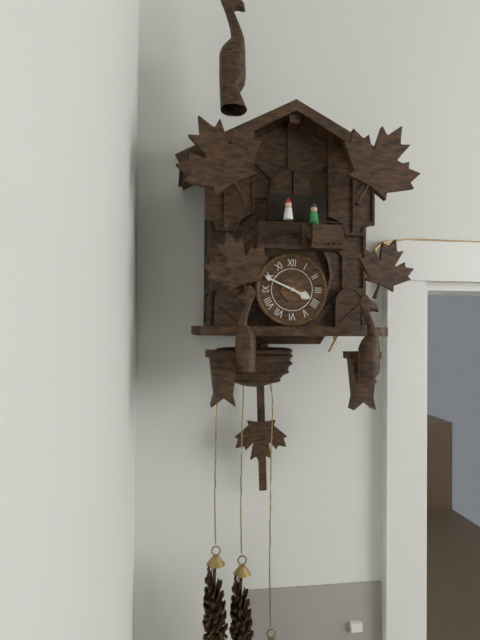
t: h=3 m=49
